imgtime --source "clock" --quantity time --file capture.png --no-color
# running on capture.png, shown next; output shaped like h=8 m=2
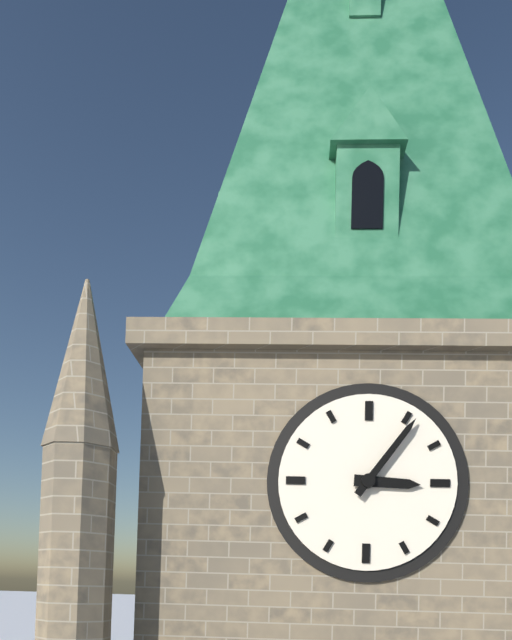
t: h=3 m=6
